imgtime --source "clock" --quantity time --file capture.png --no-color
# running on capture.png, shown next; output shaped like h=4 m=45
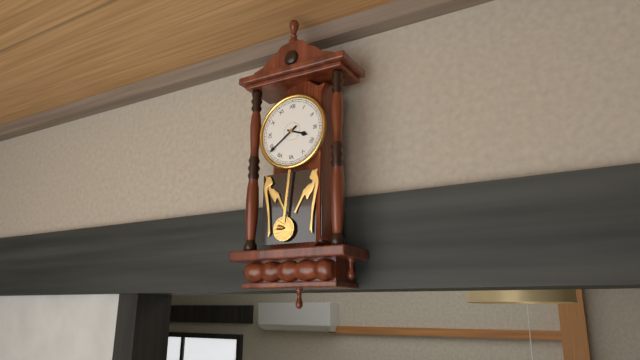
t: h=3 m=39
